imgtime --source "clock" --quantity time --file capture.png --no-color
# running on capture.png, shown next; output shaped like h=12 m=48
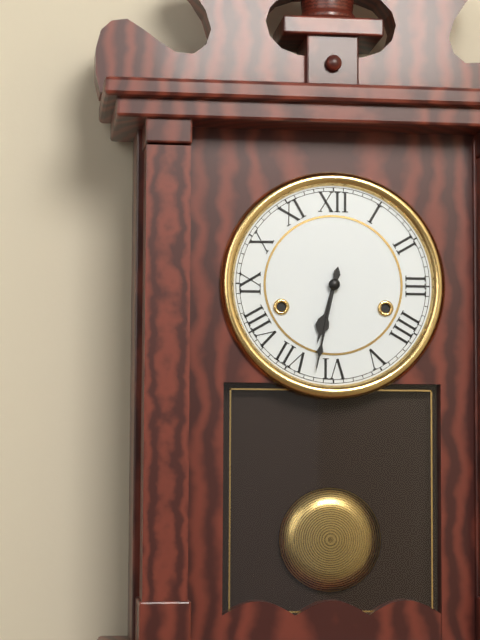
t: h=6 m=32
